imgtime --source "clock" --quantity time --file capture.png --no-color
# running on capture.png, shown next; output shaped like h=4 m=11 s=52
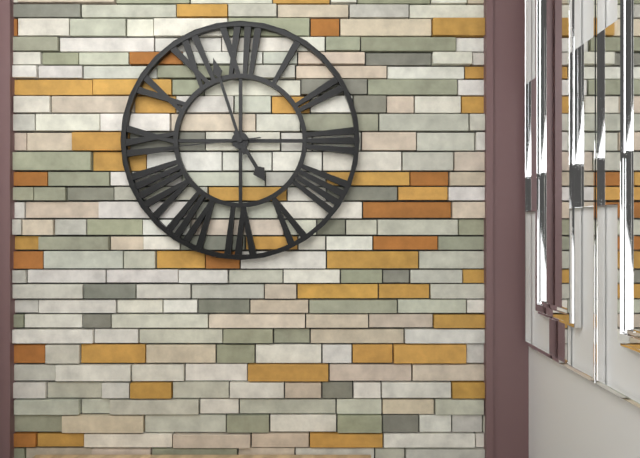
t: h=4 m=57 s=44
